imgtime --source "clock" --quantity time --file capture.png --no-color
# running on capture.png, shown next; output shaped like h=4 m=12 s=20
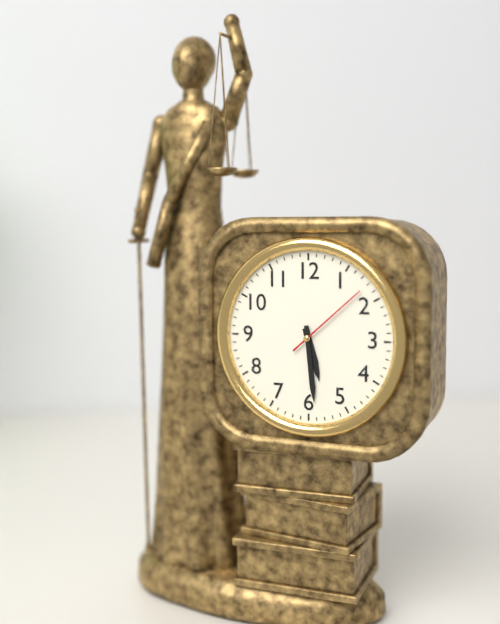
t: h=5 m=29 s=8
